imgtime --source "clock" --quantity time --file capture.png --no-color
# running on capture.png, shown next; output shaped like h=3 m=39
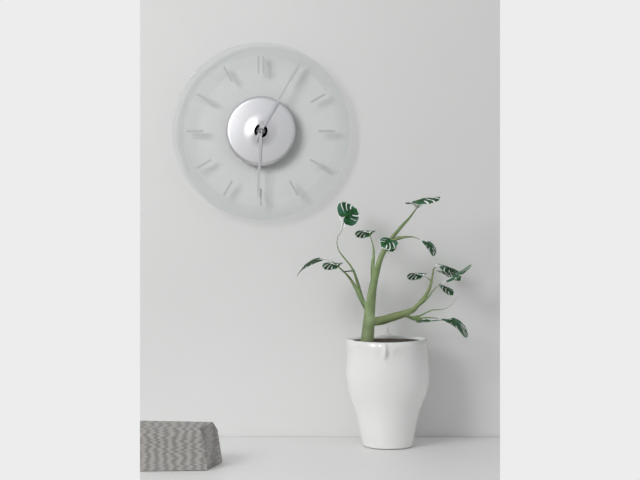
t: h=6 m=5
